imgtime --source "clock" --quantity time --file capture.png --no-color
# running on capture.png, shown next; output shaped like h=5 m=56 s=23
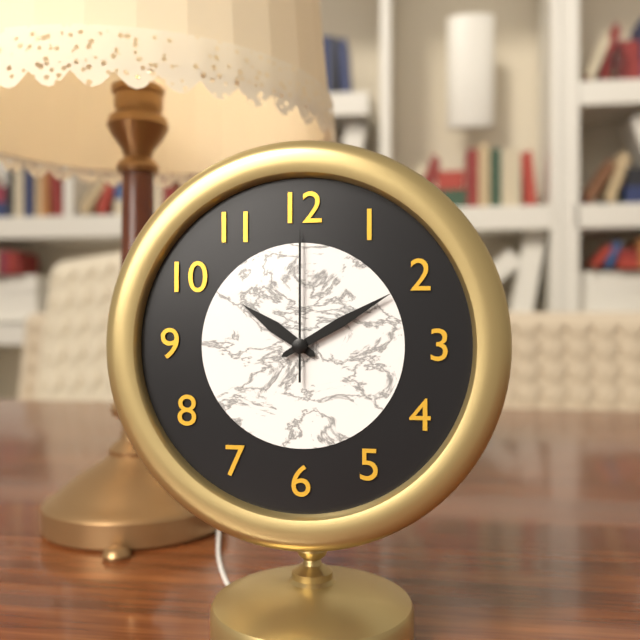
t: h=10 m=10 s=0
